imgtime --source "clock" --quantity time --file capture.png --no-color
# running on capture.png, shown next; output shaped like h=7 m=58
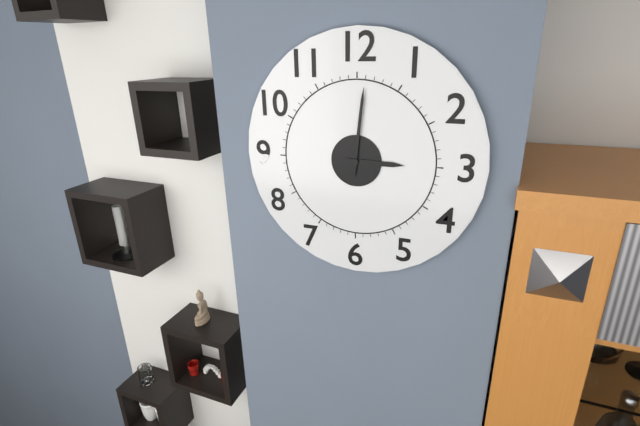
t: h=3 m=1
